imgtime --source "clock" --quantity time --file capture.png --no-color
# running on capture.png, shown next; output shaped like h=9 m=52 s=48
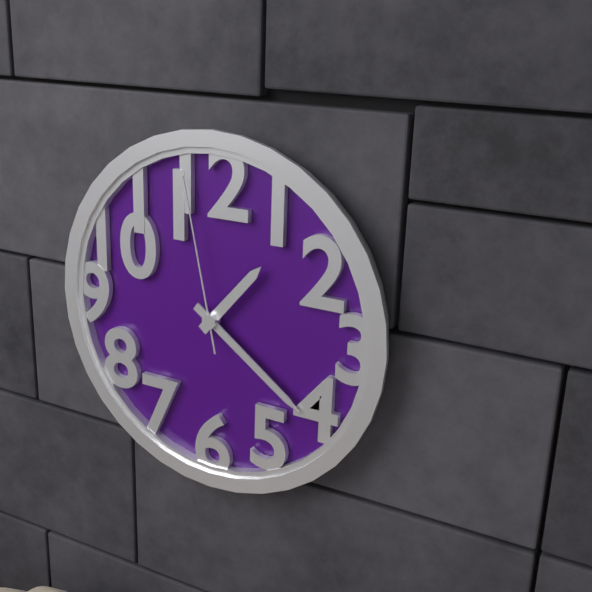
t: h=1 m=21 s=58
